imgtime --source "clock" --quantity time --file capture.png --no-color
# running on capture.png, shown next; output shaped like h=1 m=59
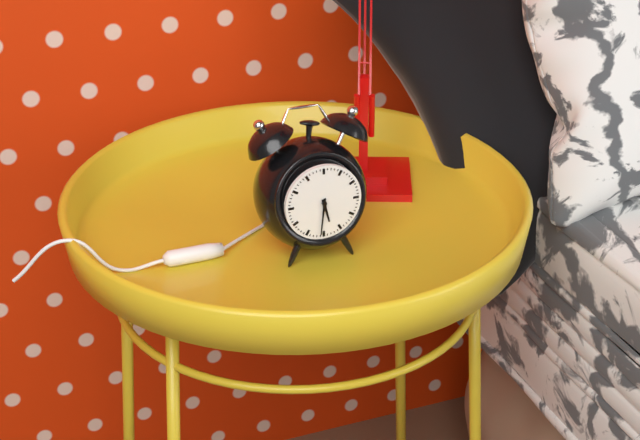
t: h=5 m=31
